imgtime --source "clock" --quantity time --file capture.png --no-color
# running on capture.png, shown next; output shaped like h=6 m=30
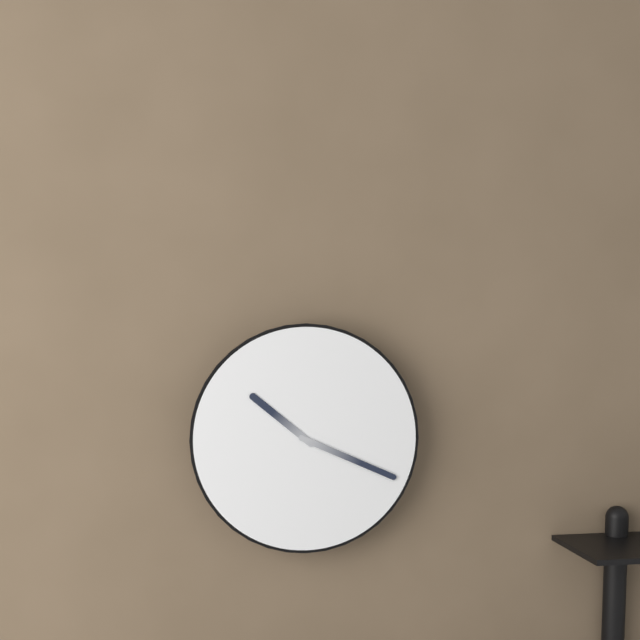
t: h=10 m=19
